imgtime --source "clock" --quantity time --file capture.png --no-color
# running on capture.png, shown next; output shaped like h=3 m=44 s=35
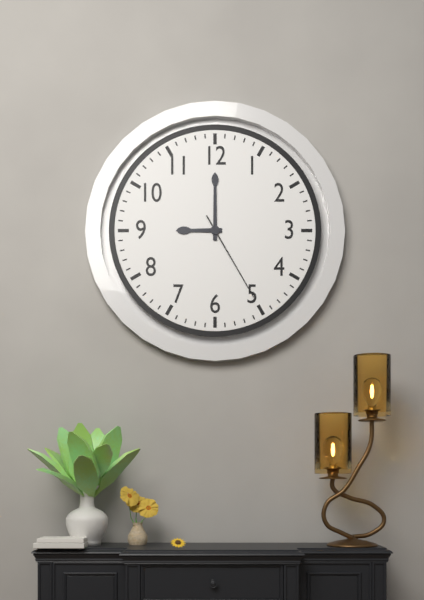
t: h=9 m=0 s=25
